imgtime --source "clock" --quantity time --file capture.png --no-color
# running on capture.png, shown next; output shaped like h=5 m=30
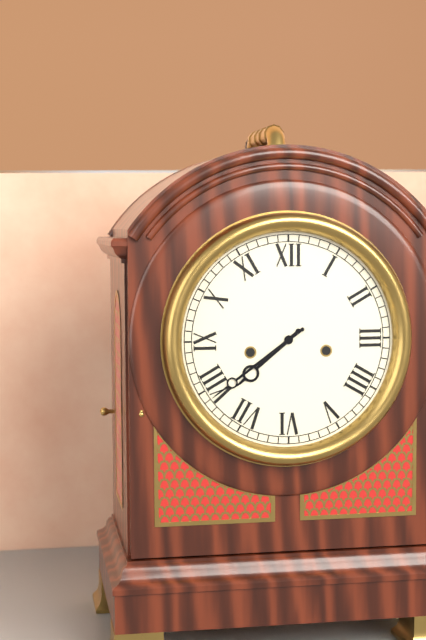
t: h=7 m=39
